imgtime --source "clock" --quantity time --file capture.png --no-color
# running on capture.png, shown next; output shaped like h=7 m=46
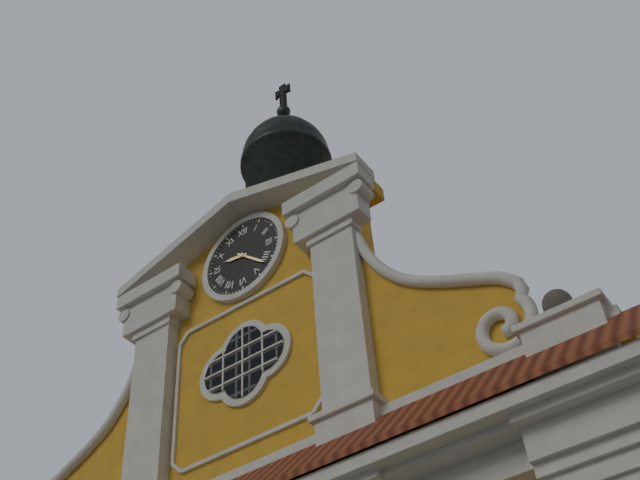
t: h=9 m=22
